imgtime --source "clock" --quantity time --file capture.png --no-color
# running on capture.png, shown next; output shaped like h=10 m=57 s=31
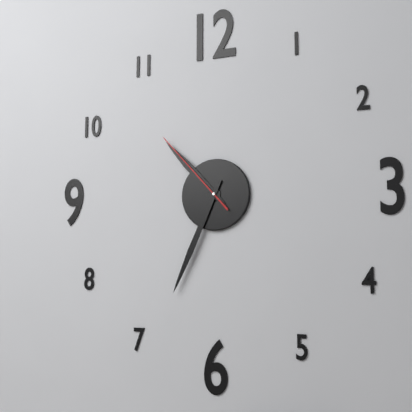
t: h=10 m=34 s=53
